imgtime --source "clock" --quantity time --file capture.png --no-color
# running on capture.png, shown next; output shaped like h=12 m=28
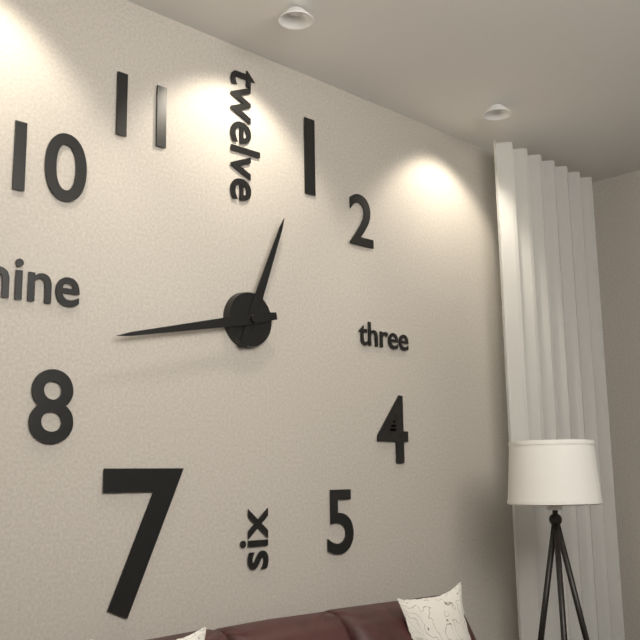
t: h=12 m=43
